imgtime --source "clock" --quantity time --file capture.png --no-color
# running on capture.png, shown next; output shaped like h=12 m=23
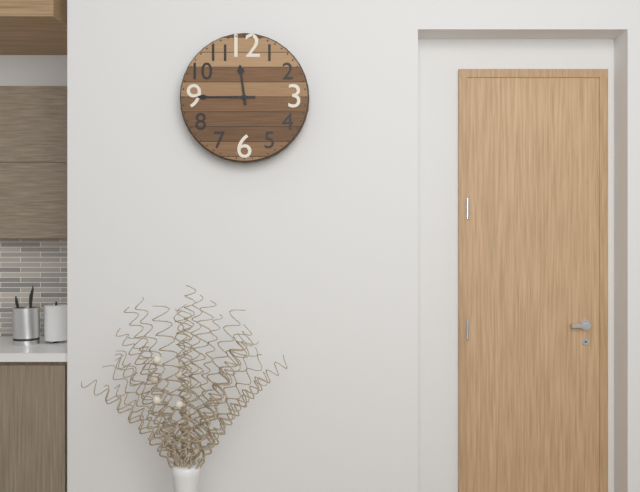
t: h=11 m=45
